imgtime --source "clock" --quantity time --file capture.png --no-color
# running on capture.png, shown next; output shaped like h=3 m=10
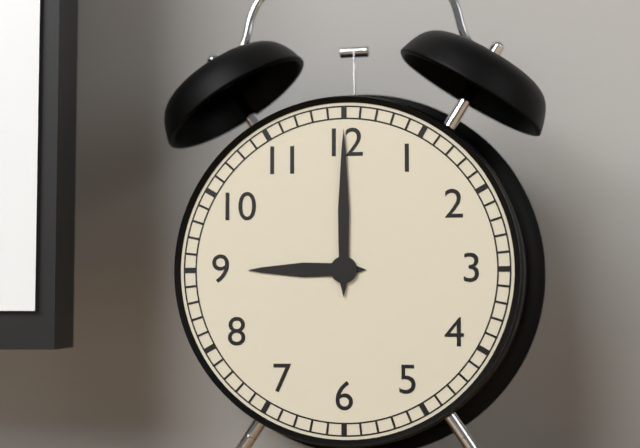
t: h=9 m=0
